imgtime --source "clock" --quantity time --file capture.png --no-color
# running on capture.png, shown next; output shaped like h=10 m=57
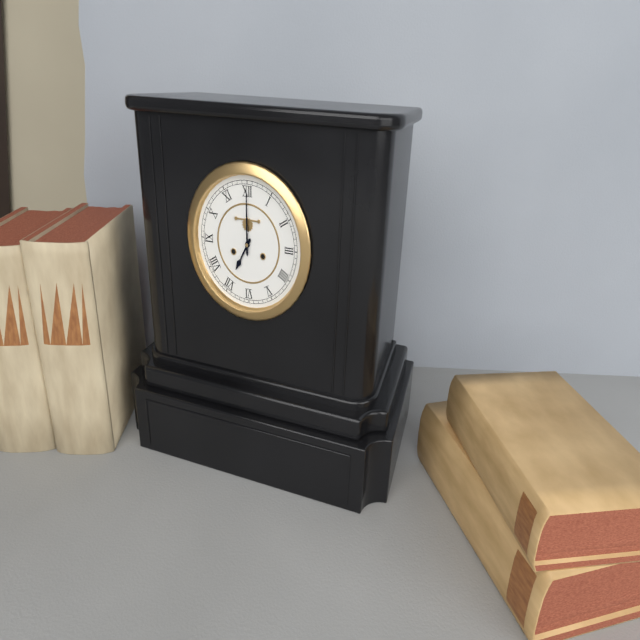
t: h=7 m=0
